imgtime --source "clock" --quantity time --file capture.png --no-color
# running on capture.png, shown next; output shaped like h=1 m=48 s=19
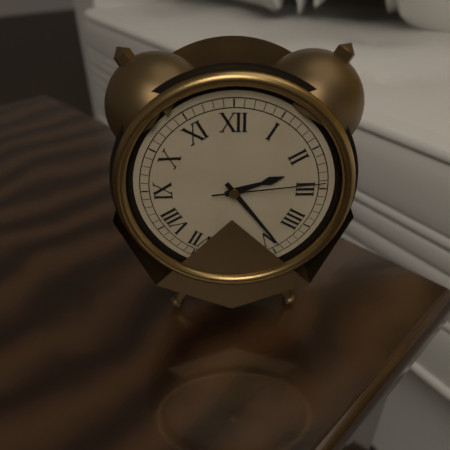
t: h=2 m=24 s=14
